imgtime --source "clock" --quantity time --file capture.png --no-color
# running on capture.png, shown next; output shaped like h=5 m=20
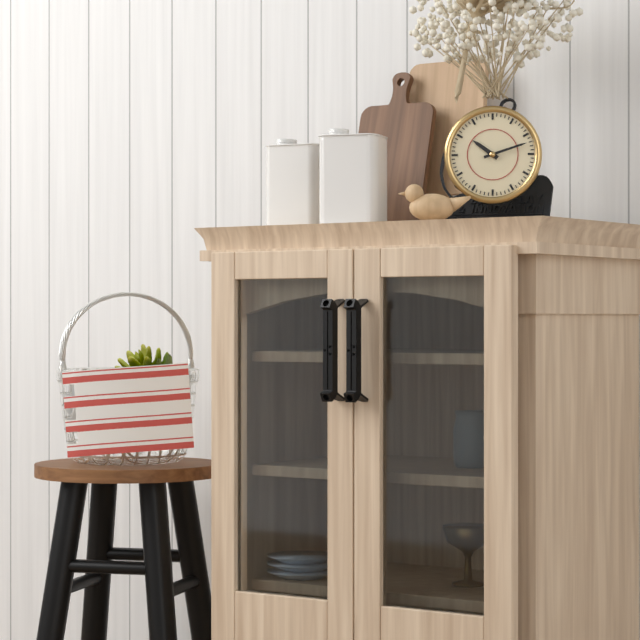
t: h=10 m=12
